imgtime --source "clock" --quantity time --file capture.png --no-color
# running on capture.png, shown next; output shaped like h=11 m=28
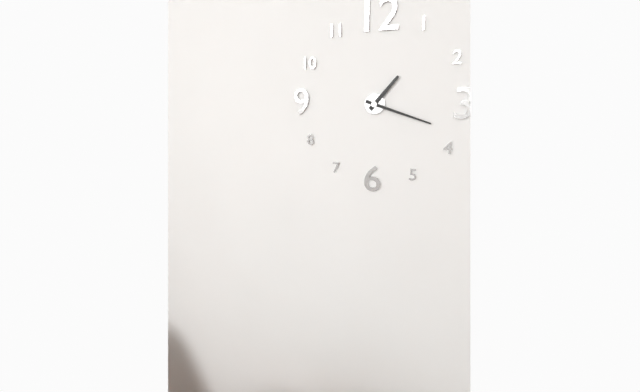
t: h=1 m=18
